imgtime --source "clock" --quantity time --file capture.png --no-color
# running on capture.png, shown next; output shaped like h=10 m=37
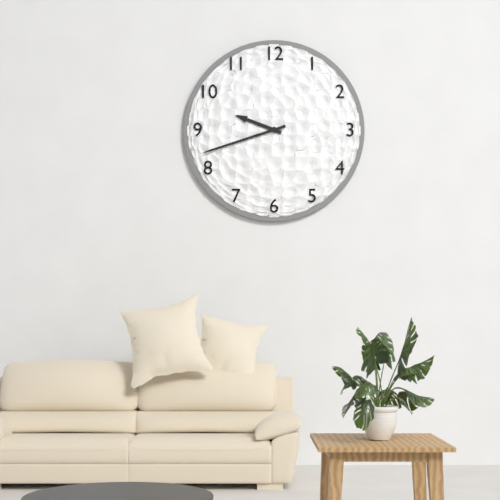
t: h=9 m=42
